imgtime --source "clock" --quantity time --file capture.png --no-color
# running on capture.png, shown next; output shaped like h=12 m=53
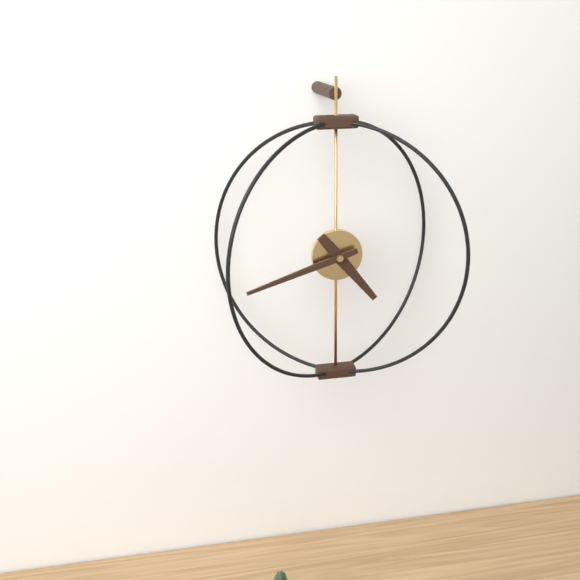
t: h=4 m=42
